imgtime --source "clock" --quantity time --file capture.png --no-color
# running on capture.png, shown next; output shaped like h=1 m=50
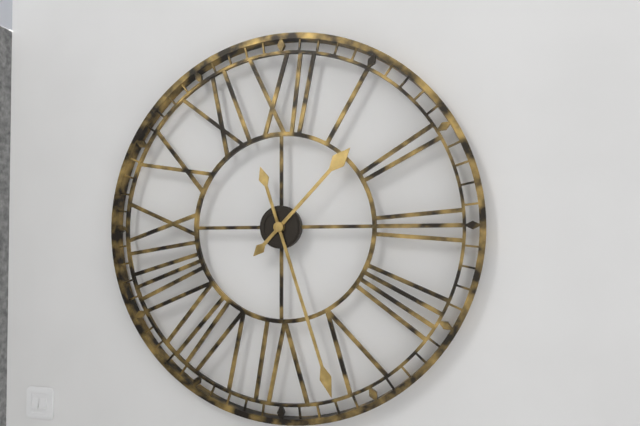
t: h=1 m=27
